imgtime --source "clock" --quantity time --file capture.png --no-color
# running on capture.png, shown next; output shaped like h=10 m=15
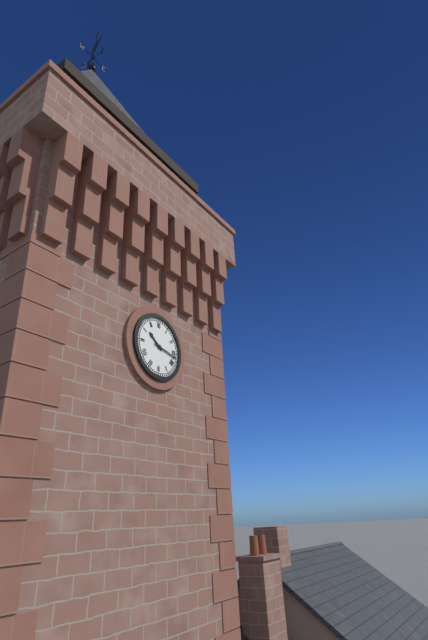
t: h=10 m=17
